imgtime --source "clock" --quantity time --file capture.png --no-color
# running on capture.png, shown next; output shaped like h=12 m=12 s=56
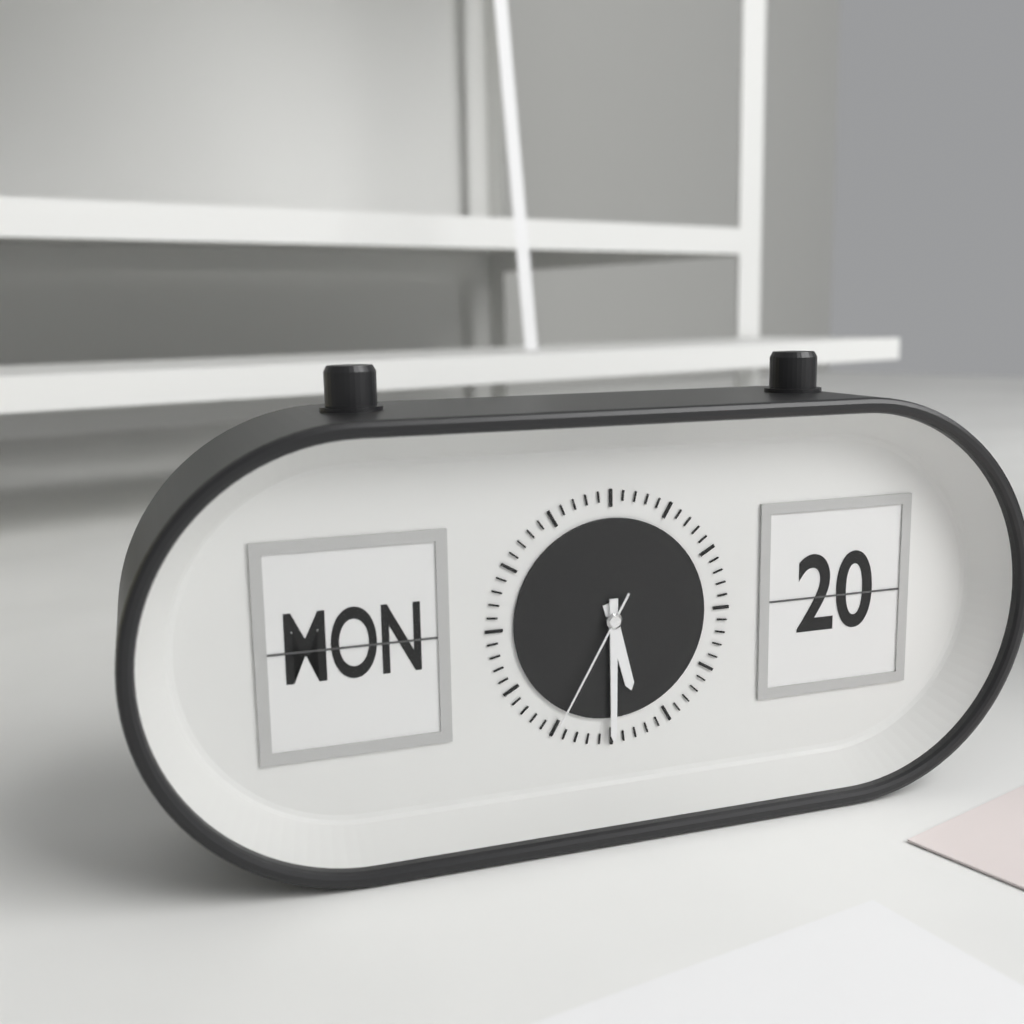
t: h=5 m=30 s=35
